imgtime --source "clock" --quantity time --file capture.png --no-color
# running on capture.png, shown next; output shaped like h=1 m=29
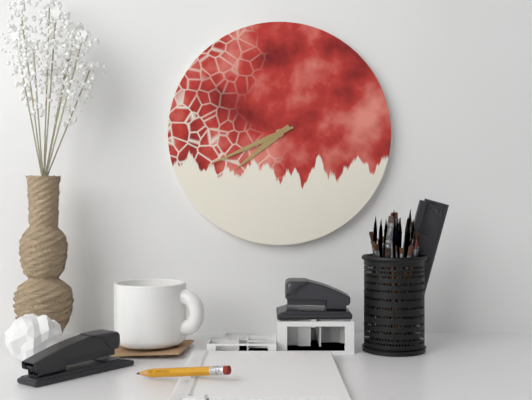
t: h=7 m=41
